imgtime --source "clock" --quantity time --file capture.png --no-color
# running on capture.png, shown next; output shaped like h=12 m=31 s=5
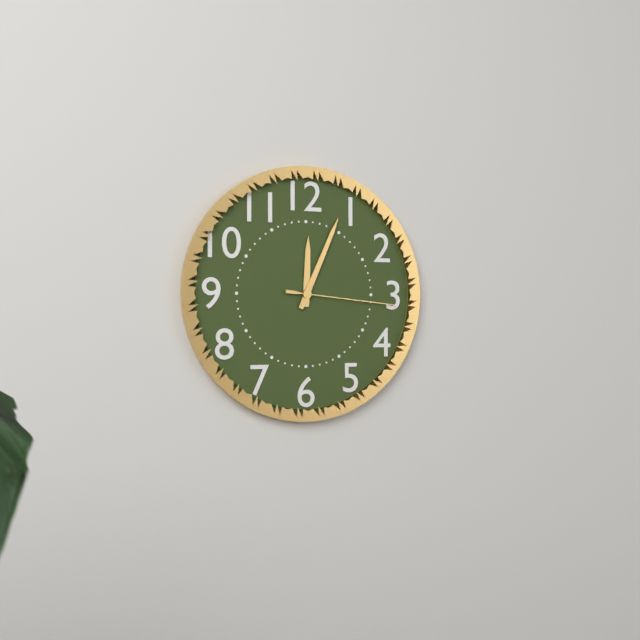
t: h=12 m=4 s=16
